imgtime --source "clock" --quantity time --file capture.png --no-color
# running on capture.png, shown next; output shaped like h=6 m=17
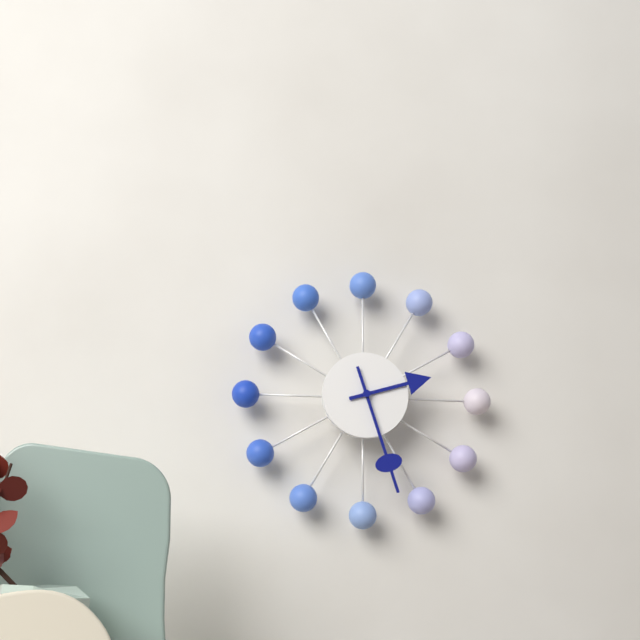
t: h=2 m=27
